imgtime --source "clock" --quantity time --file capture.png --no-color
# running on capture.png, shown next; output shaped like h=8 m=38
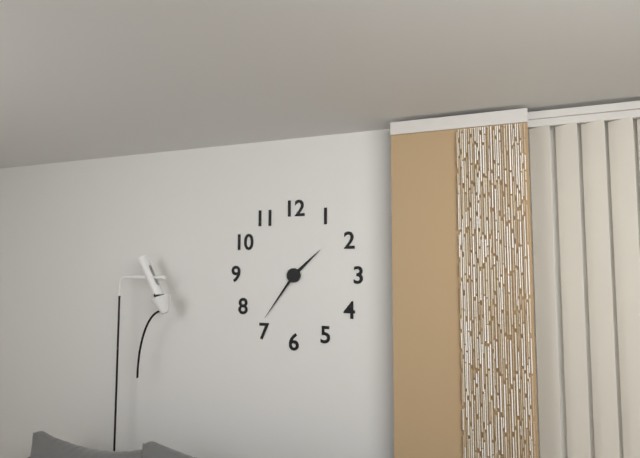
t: h=1 m=36
